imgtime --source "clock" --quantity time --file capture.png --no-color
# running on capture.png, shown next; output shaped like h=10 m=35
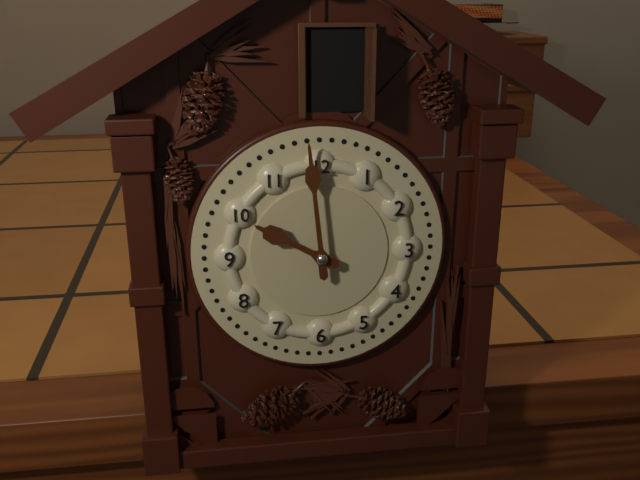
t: h=9 m=59
